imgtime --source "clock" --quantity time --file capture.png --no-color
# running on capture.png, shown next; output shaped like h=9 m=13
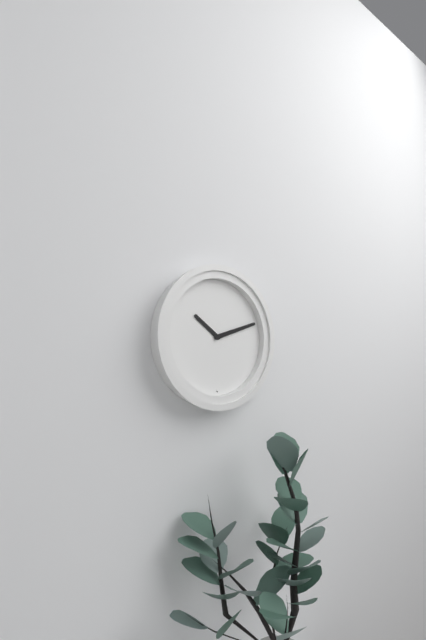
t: h=10 m=12
